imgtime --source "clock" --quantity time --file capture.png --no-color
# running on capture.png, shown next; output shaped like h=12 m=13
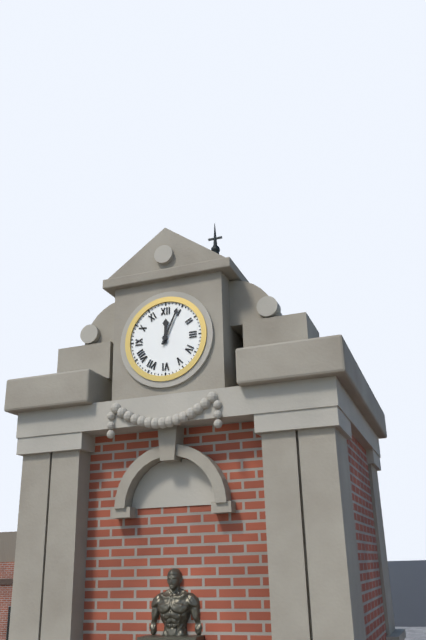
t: h=12 m=4
